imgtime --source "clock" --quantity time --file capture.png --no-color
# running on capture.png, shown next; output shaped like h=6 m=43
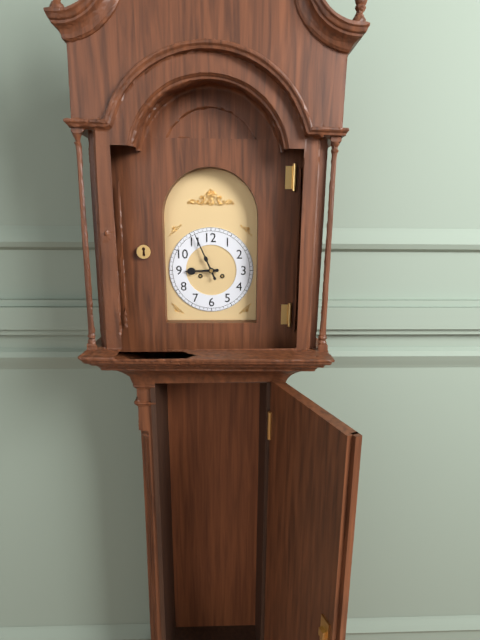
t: h=8 m=56
